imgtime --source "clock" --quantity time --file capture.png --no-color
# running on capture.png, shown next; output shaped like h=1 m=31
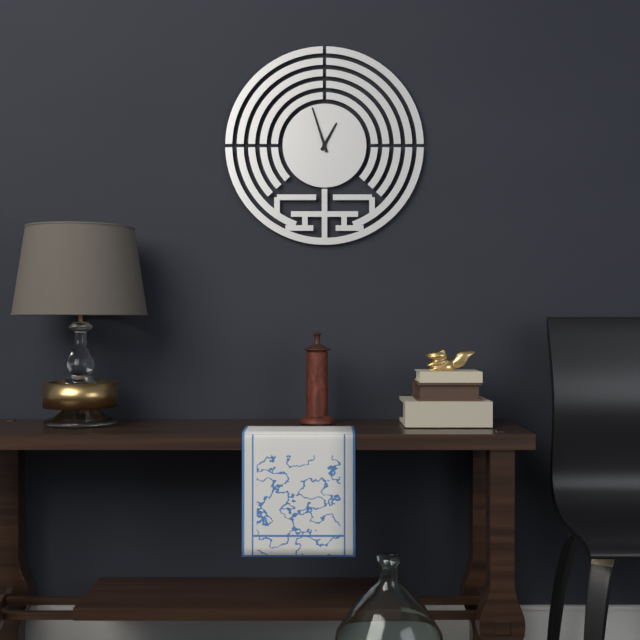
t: h=12 m=57
